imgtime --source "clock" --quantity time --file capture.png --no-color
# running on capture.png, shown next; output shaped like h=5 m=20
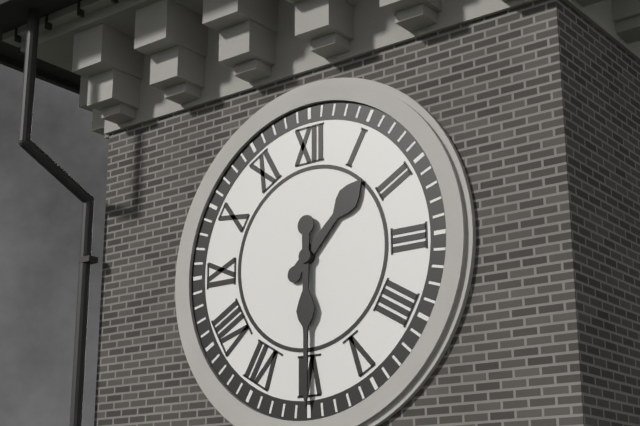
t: h=1 m=30
